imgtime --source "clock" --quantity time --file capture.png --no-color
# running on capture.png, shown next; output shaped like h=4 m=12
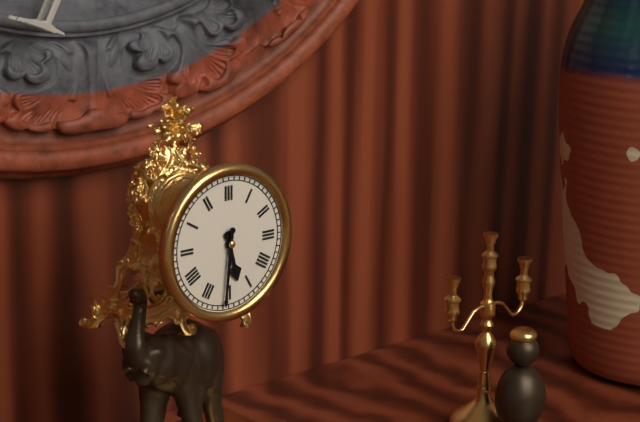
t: h=5 m=31
